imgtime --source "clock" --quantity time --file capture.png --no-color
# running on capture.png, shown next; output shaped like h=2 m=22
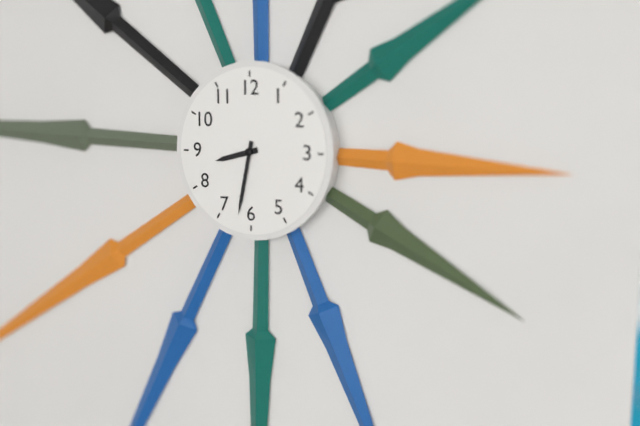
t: h=8 m=32
